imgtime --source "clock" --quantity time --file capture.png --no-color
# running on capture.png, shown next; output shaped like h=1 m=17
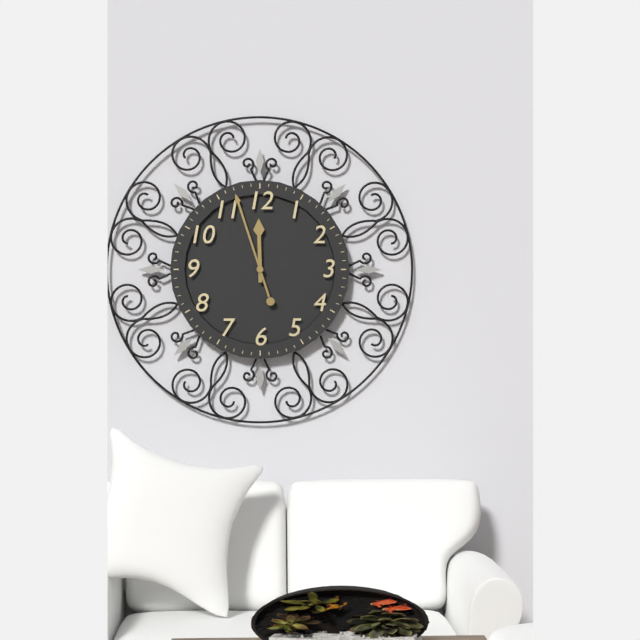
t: h=11 m=57
